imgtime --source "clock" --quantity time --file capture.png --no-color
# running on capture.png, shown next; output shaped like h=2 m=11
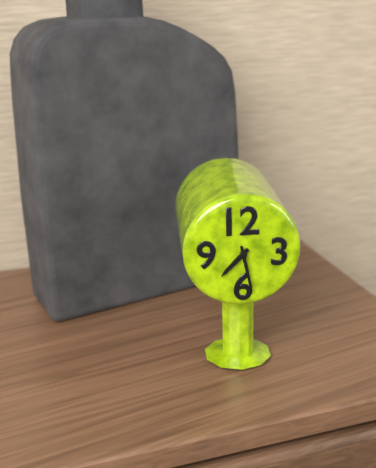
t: h=7 m=28
